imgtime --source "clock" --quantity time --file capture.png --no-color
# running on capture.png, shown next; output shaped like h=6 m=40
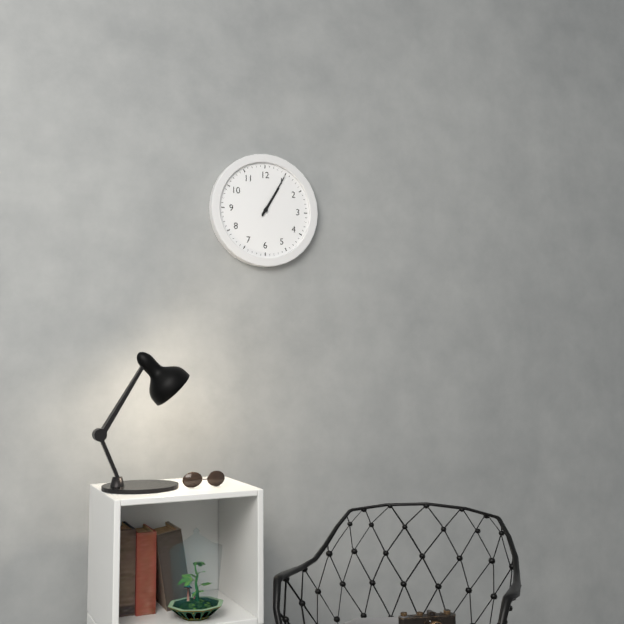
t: h=1 m=5
